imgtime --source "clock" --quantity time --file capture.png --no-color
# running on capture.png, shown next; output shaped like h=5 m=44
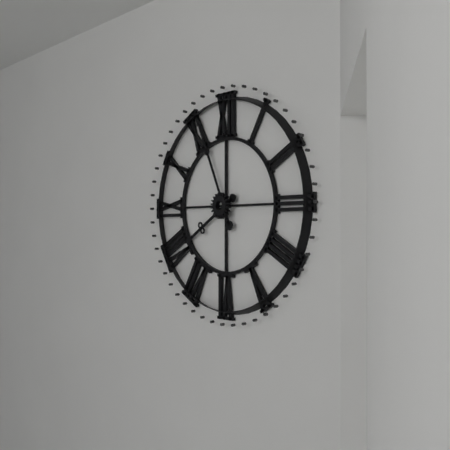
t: h=7 m=56
